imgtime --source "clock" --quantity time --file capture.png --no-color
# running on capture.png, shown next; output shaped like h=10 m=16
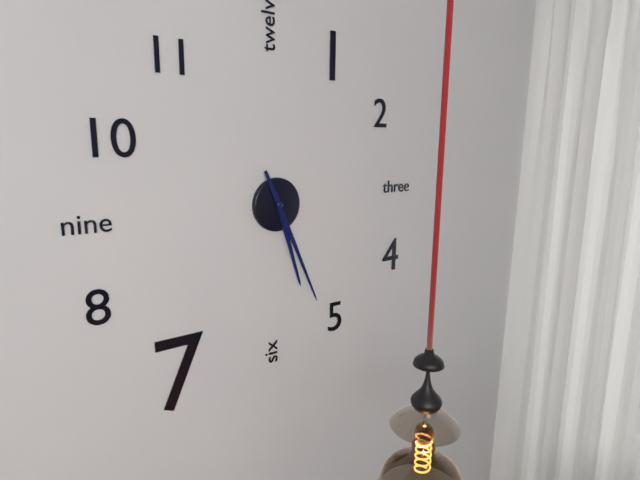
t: h=5 m=26
